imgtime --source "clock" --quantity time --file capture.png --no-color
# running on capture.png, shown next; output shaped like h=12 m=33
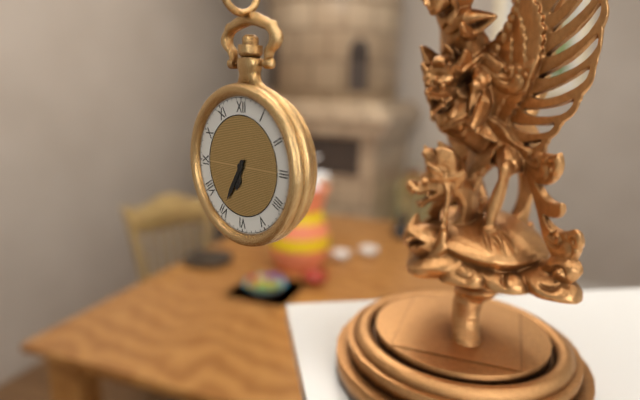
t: h=6 m=35
